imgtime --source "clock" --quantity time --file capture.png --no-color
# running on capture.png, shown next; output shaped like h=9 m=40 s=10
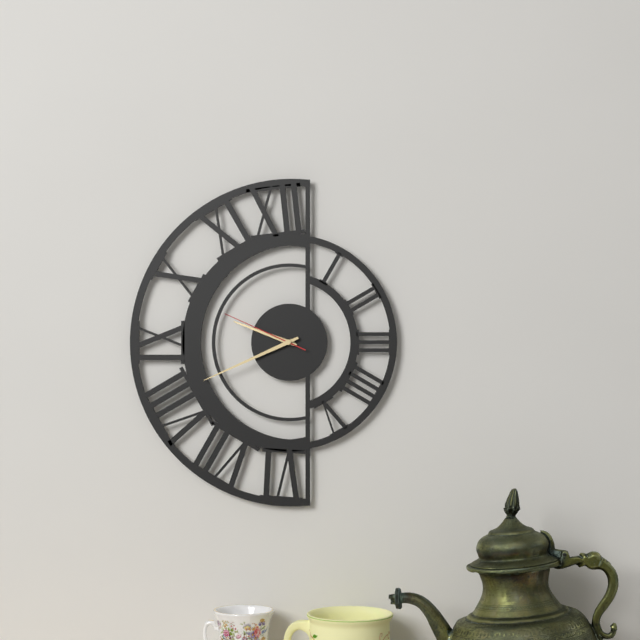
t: h=9 m=41 s=49
